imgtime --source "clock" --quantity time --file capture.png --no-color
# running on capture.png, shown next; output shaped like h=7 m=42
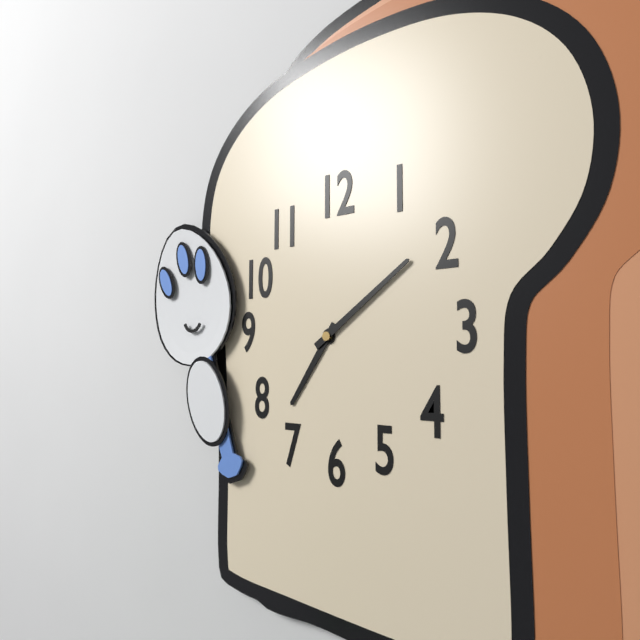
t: h=7 m=9
